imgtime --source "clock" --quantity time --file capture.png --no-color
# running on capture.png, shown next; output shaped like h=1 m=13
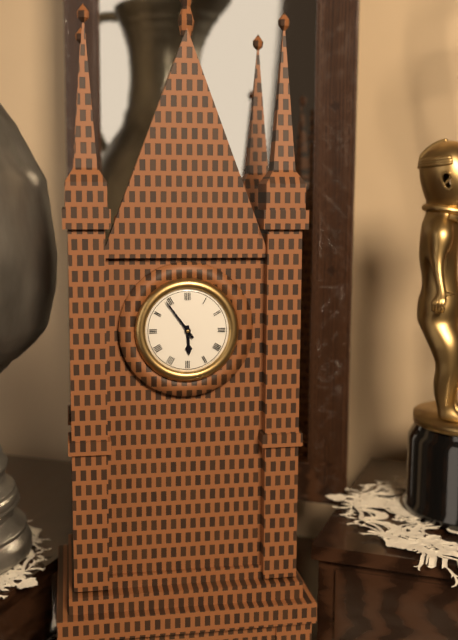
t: h=5 m=54
